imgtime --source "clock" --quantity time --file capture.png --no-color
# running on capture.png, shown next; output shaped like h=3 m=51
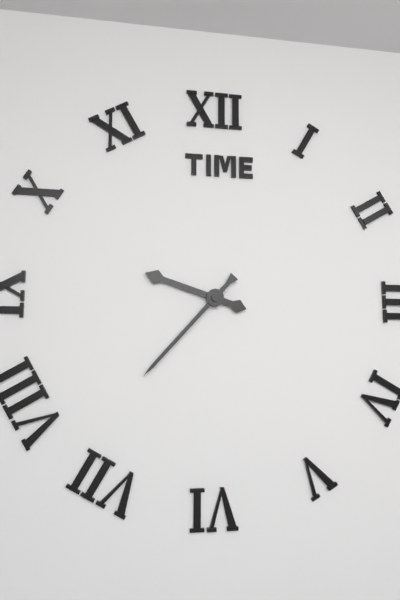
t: h=9 m=37
